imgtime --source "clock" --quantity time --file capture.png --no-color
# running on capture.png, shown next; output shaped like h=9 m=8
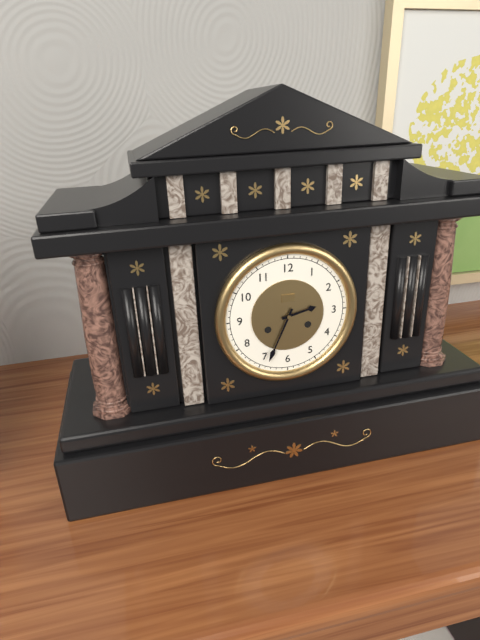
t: h=2 m=34
